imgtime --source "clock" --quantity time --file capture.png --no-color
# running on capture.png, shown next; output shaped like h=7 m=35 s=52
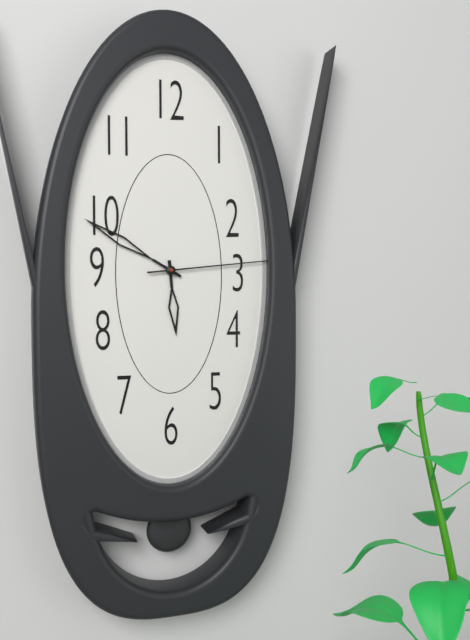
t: h=5 m=50 s=14
